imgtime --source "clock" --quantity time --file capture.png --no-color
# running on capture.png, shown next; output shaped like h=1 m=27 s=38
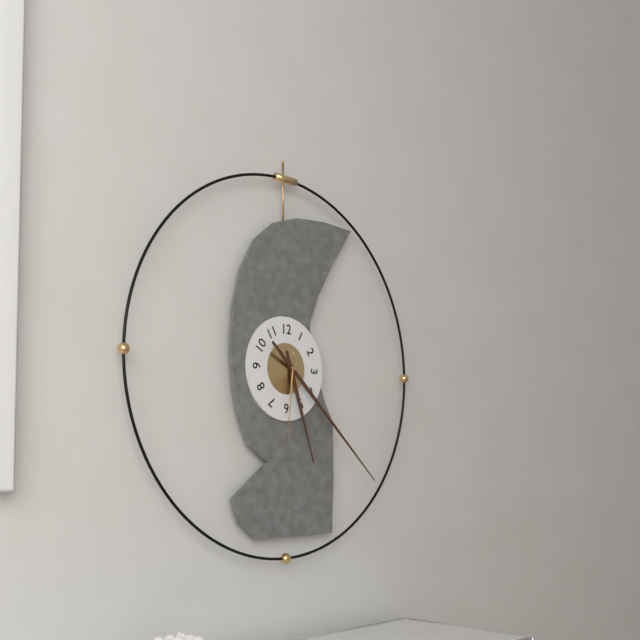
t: h=5 m=22 s=31
